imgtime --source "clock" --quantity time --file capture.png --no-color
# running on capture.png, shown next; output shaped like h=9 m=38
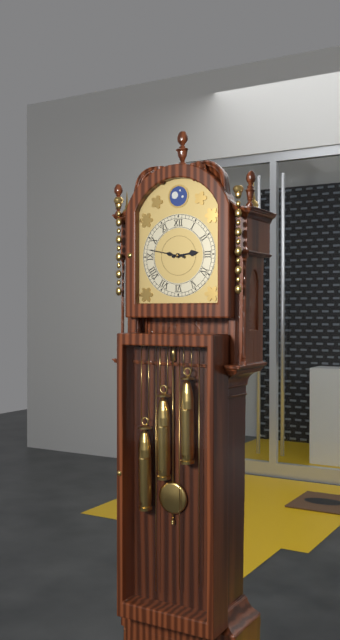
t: h=2 m=47
